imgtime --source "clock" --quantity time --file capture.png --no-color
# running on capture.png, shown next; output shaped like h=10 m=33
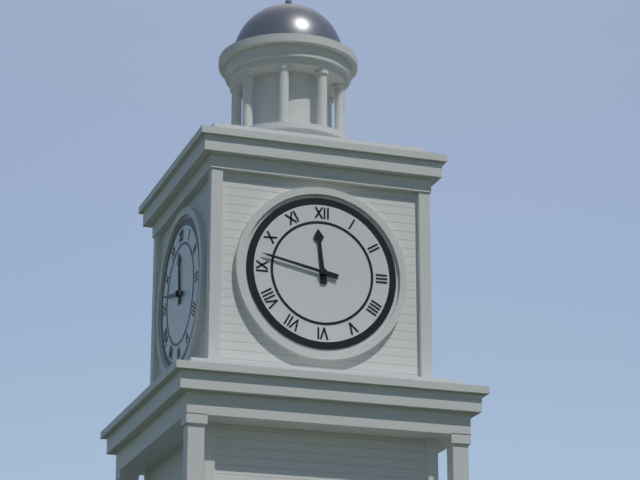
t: h=11 m=47
